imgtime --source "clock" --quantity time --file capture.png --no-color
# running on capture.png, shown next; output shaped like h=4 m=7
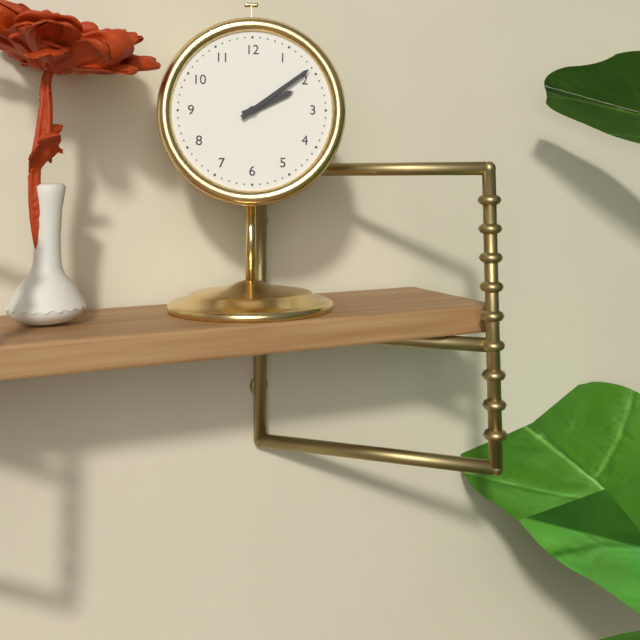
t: h=2 m=9
